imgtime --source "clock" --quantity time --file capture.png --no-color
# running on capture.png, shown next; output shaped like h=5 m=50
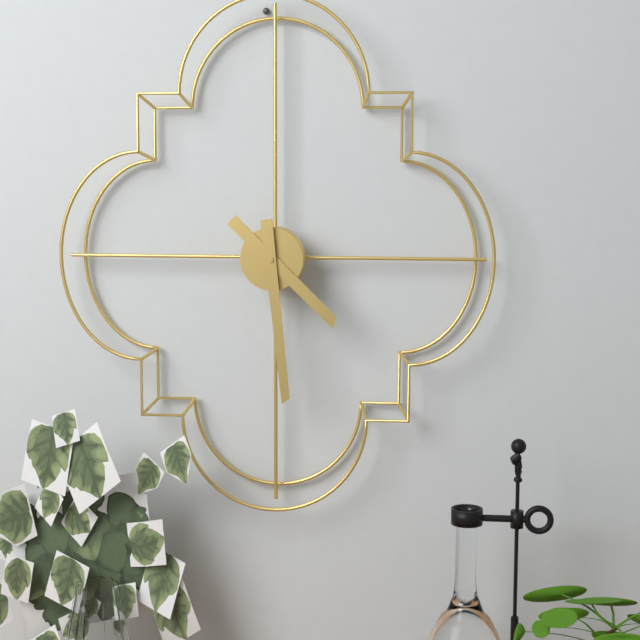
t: h=4 m=29
